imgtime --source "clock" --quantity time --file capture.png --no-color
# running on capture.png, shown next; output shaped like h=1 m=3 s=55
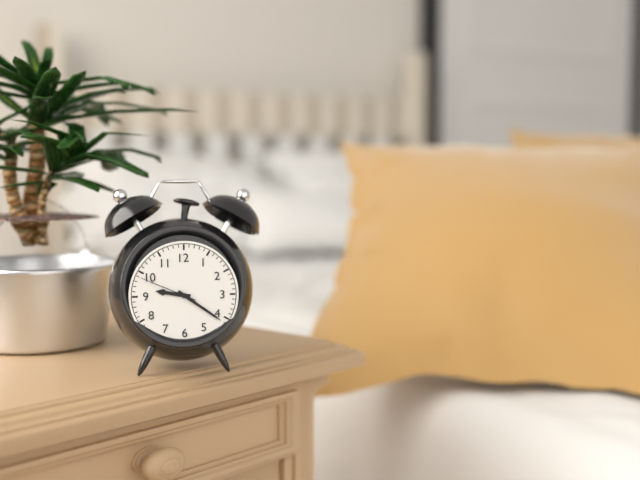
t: h=9 m=21 s=49
